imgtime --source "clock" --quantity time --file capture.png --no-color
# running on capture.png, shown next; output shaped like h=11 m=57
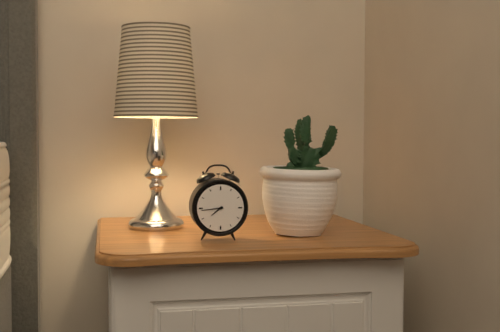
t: h=7 m=44
